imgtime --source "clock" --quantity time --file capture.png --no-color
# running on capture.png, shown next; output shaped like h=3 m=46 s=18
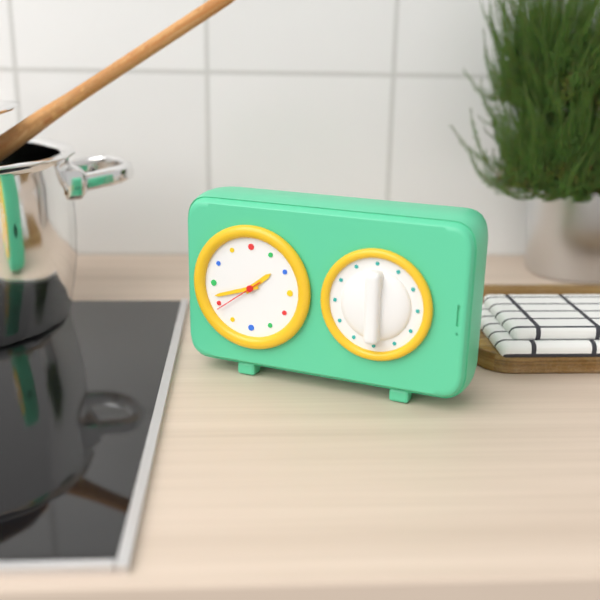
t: h=1 m=42 s=39
